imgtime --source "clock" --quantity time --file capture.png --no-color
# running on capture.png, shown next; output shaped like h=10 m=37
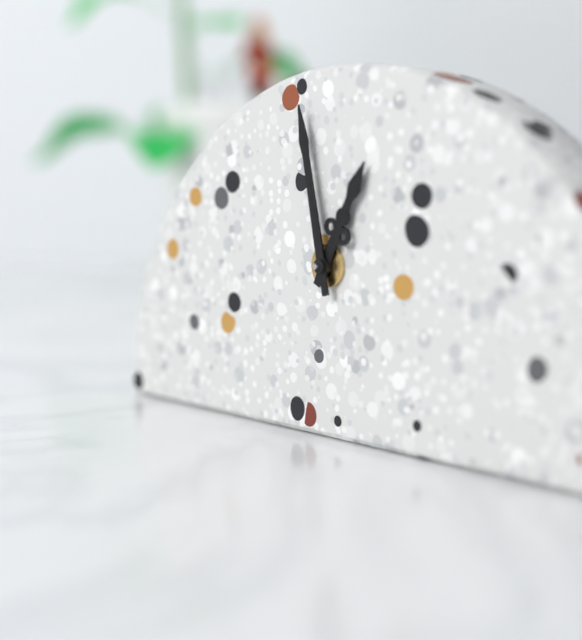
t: h=12 m=58
